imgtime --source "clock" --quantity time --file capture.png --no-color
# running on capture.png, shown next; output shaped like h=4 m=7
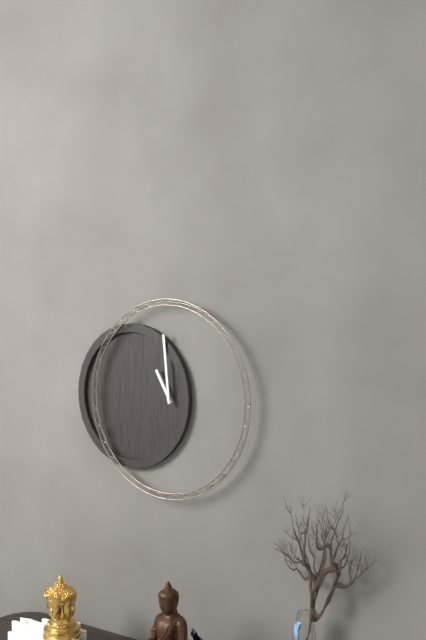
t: h=10 m=59
